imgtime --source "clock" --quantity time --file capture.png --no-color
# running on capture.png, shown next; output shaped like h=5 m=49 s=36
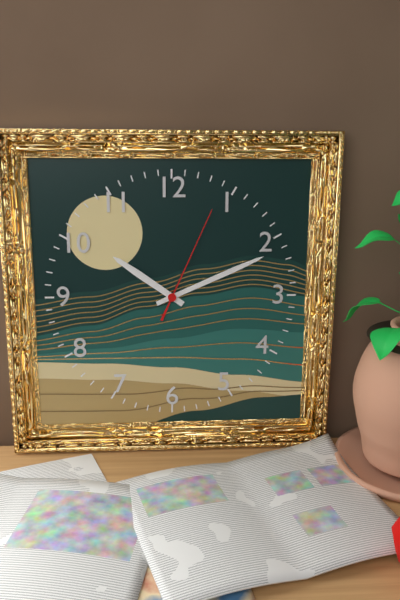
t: h=10 m=11 s=4
